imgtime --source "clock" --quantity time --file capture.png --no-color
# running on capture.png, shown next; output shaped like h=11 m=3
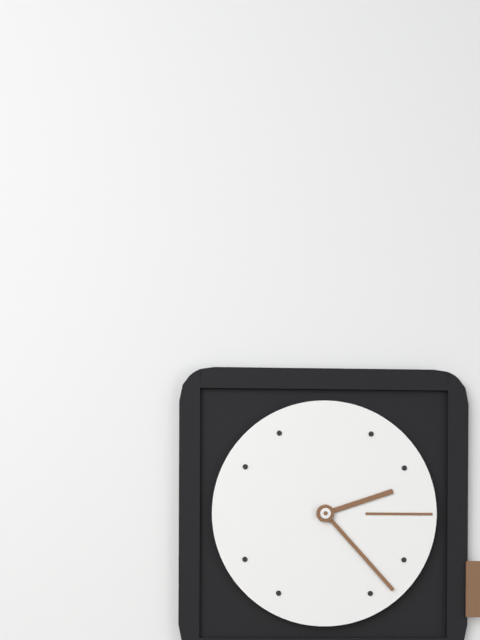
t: h=2 m=23
